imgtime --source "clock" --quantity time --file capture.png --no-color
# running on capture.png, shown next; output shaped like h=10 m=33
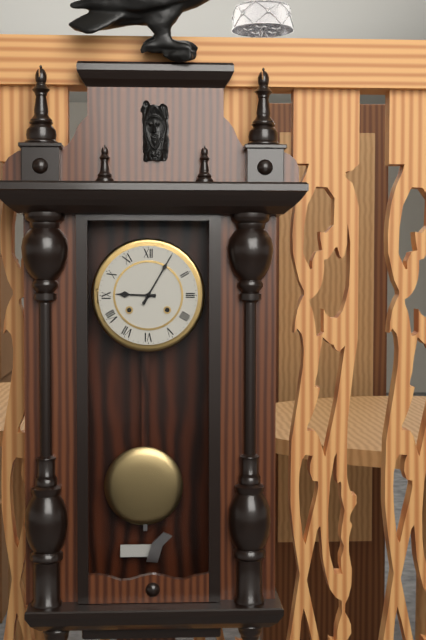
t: h=9 m=5
